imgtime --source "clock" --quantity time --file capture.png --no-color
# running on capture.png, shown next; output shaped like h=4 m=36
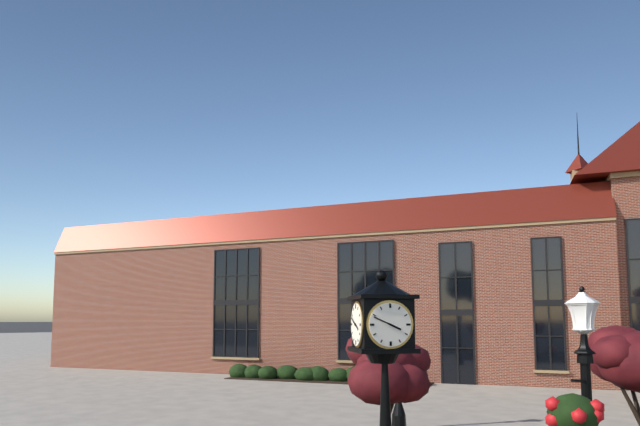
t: h=3 m=49
